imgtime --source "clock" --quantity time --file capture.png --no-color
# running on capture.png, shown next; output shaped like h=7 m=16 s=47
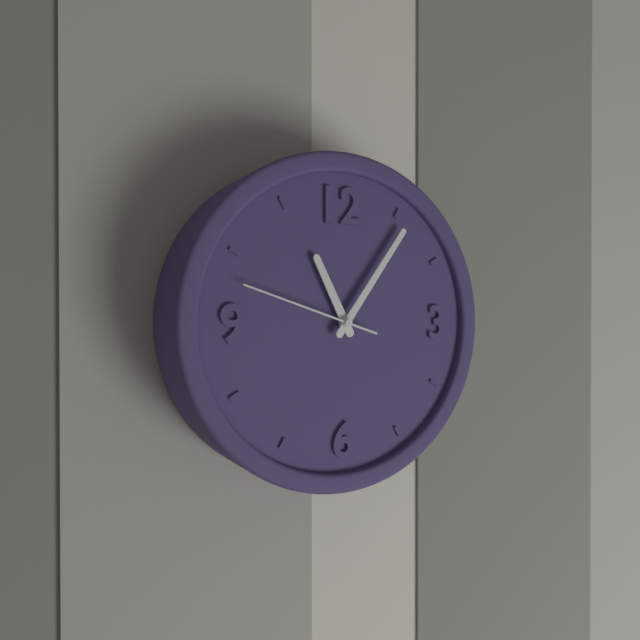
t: h=11 m=6 s=48
